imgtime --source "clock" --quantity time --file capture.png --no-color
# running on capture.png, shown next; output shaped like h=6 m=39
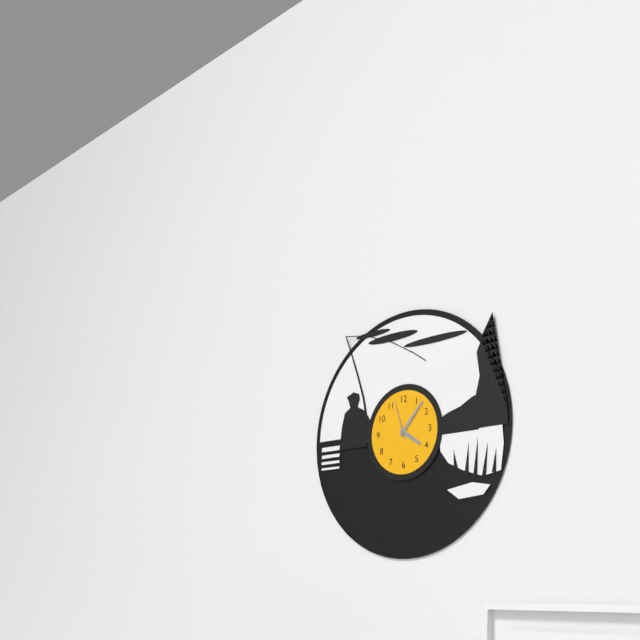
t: h=4 m=7
